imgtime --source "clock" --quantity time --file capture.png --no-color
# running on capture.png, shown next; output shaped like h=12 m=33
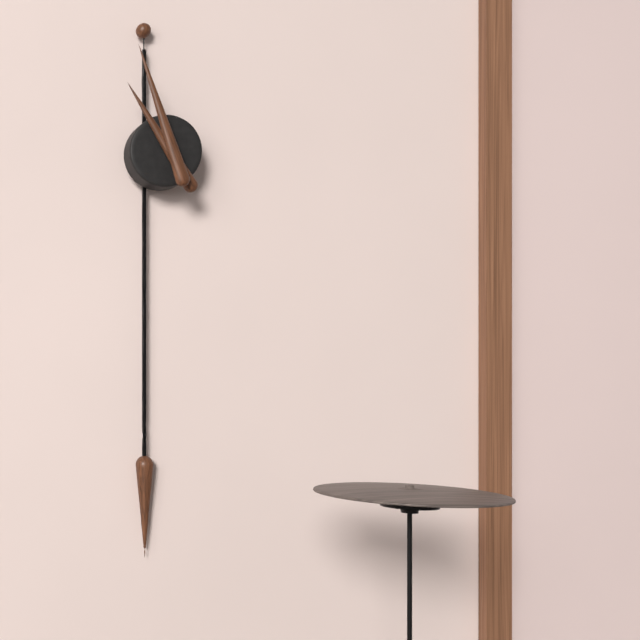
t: h=10 m=57
